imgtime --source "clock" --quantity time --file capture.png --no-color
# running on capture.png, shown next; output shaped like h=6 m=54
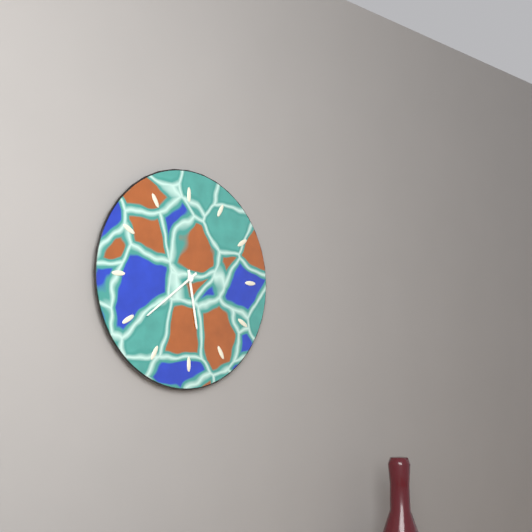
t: h=5 m=39
